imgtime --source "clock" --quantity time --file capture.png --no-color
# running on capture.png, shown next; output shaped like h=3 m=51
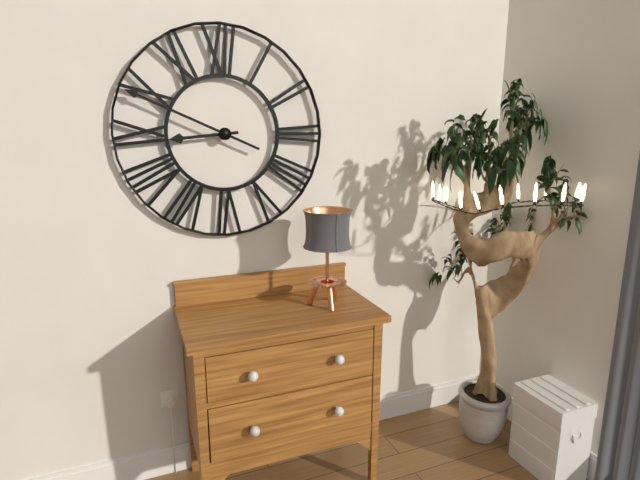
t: h=8 m=49
